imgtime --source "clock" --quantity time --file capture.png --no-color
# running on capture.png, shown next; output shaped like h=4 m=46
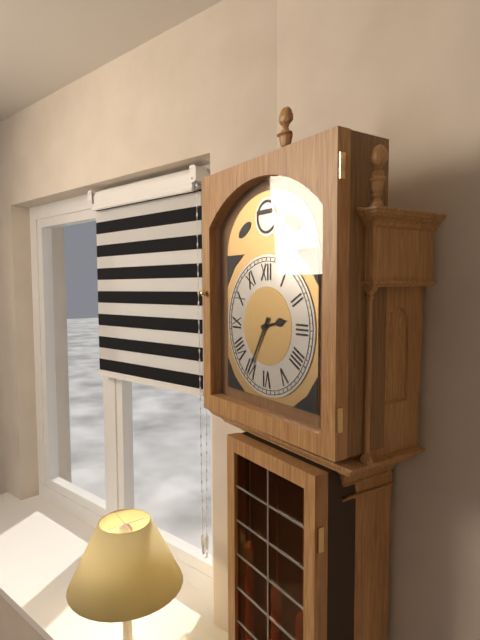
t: h=2 m=35
